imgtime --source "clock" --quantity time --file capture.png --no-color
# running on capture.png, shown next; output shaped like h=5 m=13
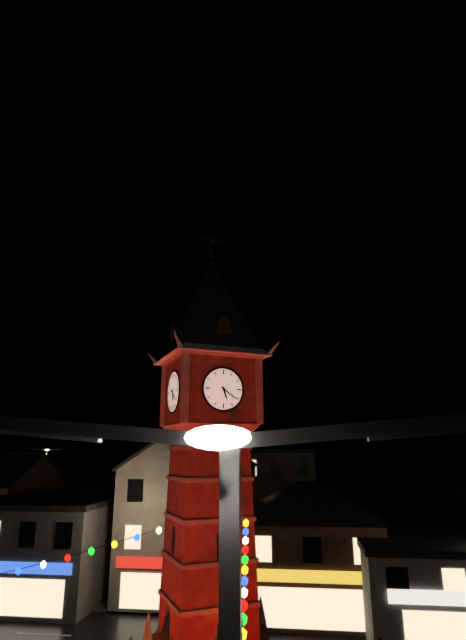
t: h=5 m=21
